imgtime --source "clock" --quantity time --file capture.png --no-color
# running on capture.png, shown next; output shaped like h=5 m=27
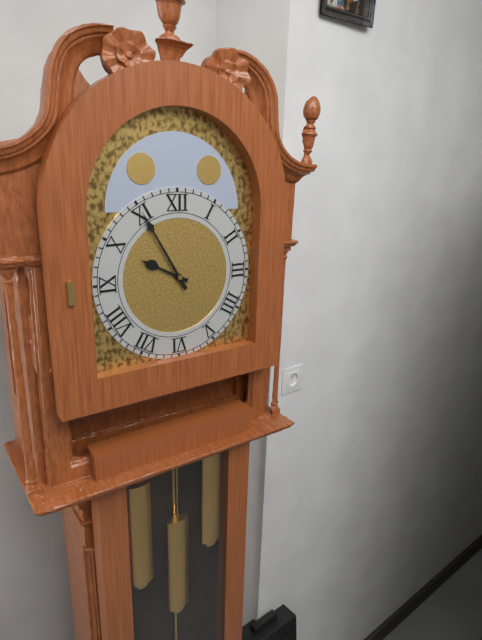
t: h=9 m=55
